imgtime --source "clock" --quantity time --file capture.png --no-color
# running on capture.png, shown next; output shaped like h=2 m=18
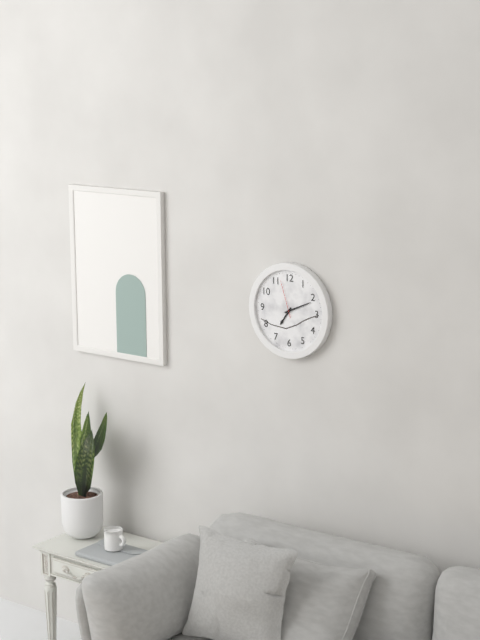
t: h=7 m=11
